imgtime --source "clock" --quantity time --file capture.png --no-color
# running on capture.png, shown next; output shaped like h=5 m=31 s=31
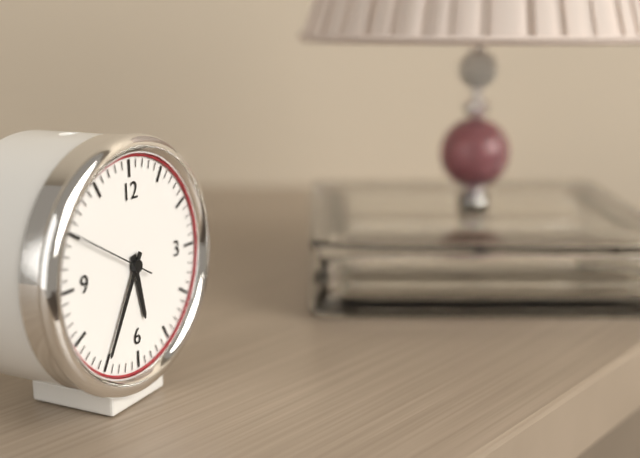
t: h=5 m=35 s=50
